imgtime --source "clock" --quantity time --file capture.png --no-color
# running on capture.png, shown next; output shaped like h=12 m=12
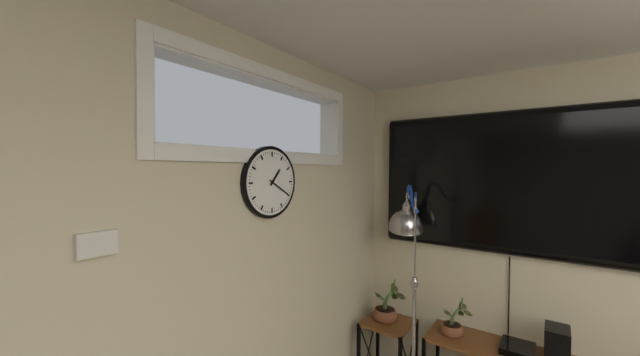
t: h=1 m=20
